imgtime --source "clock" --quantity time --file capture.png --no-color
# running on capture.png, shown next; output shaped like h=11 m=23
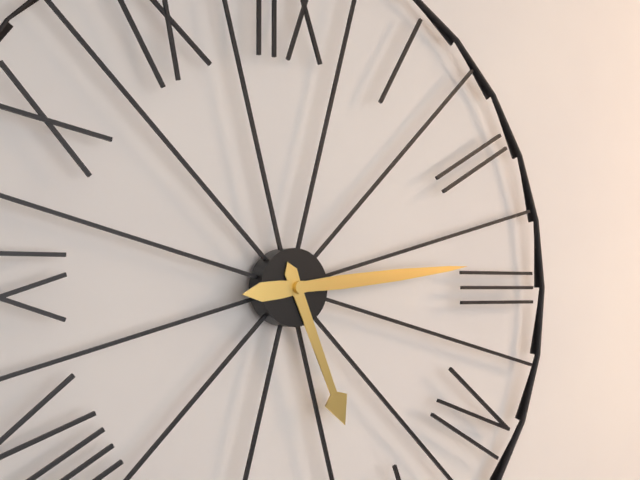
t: h=5 m=14
